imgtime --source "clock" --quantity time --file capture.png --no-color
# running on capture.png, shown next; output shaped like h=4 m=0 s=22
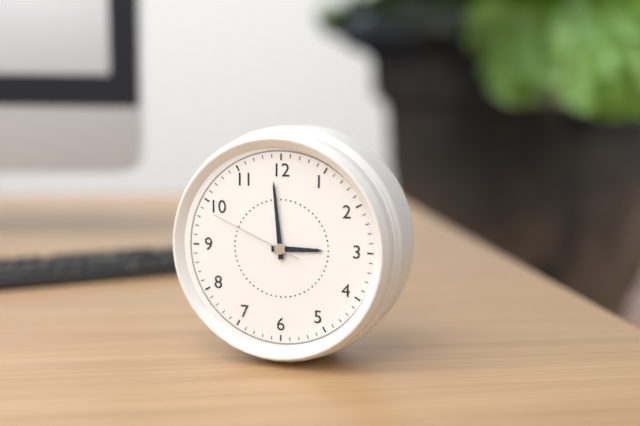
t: h=2 m=59 s=49
